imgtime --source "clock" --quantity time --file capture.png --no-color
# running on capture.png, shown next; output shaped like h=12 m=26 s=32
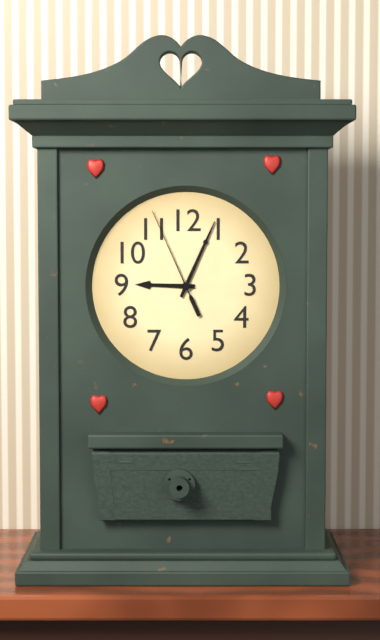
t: h=9 m=4 s=56
